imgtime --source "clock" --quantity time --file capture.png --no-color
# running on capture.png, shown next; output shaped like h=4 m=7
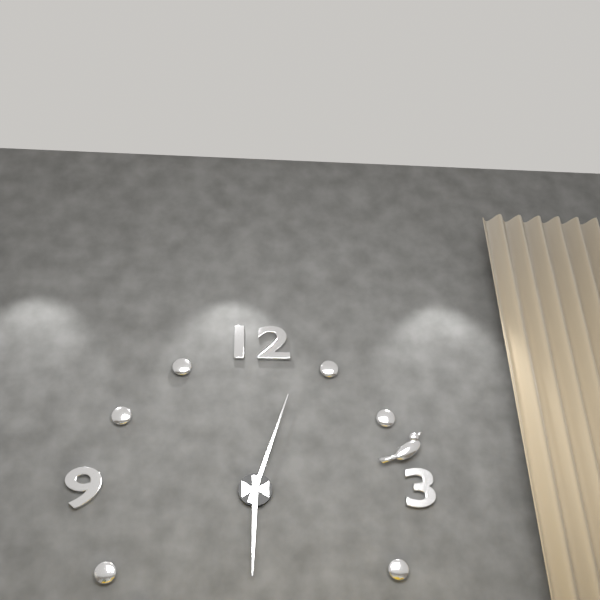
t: h=6 m=3
